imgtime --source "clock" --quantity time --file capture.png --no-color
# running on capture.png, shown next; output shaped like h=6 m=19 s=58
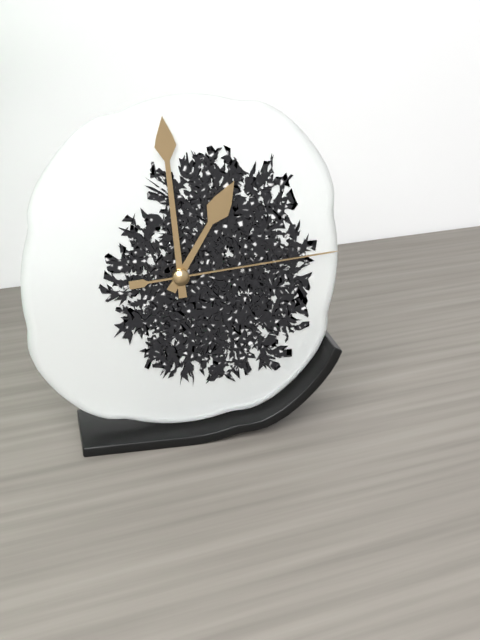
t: h=12 m=59 s=14
